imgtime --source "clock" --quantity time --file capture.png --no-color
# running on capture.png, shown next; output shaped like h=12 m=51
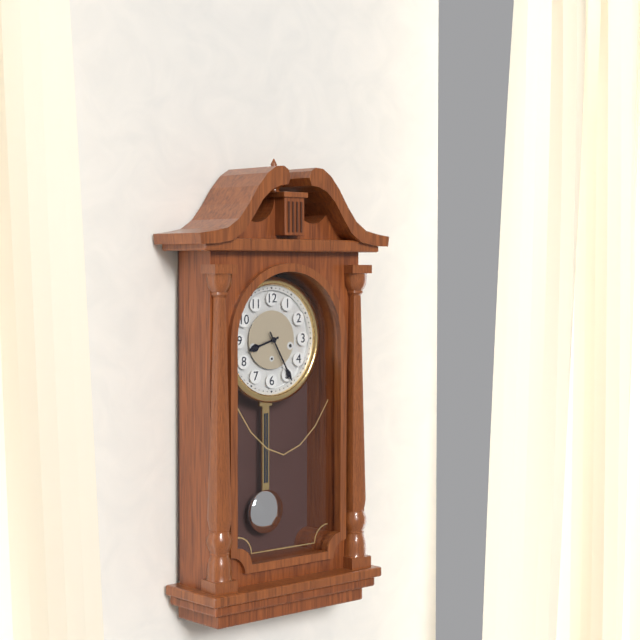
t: h=8 m=25
